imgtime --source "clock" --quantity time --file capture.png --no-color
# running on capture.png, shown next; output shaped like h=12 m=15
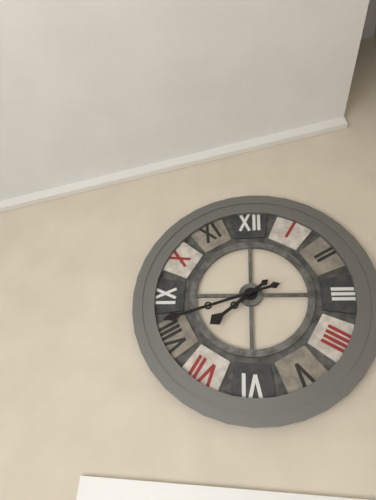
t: h=7 m=42
